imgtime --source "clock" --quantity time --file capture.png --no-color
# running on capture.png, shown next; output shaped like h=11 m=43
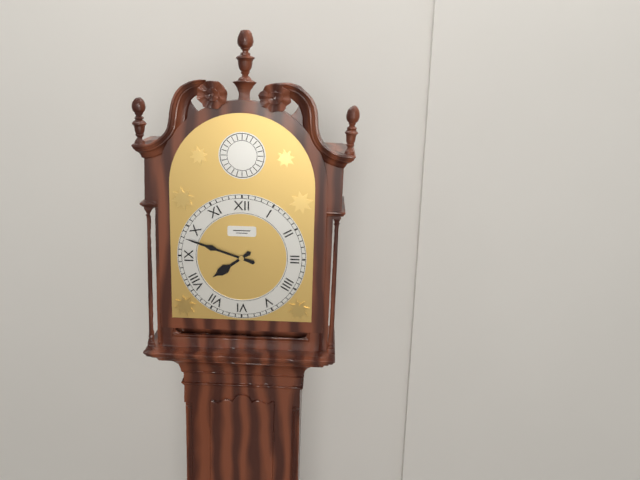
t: h=7 m=48
